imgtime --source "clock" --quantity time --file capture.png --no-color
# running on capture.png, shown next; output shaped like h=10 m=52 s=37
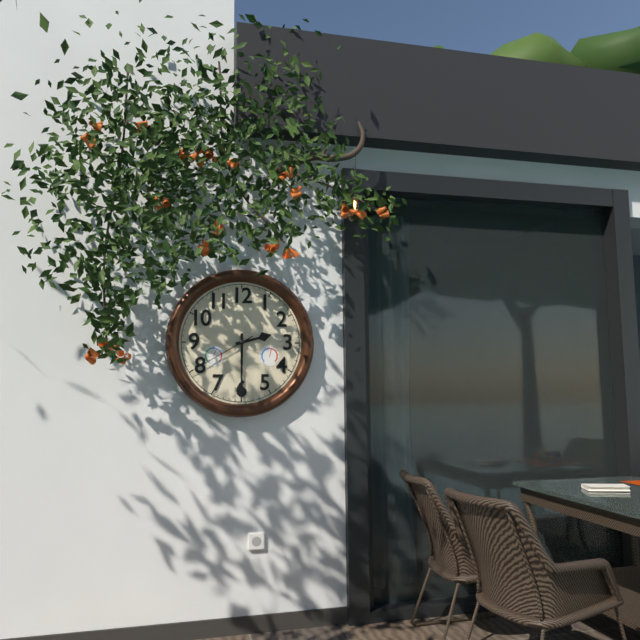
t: h=2 m=30 s=40
